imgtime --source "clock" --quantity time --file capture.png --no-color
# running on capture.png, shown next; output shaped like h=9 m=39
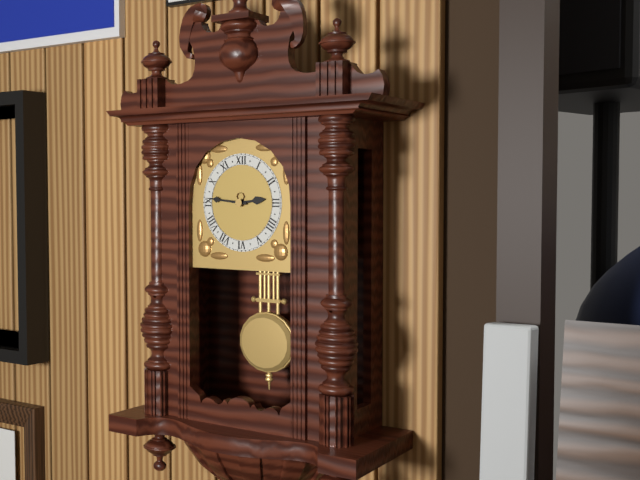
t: h=2 m=46
